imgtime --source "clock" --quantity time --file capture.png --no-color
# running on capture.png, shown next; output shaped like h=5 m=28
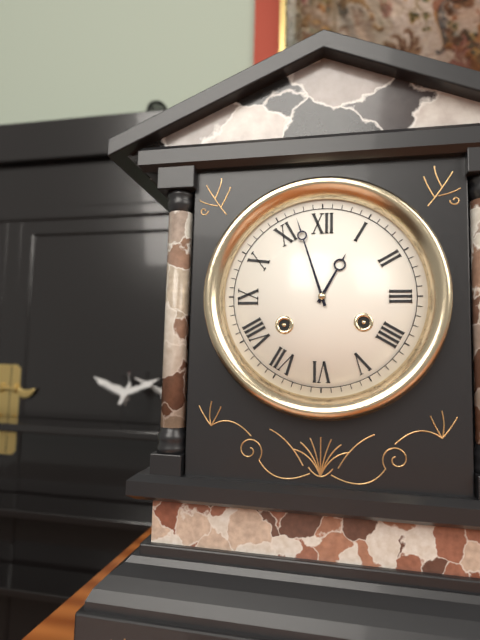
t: h=12 m=57
